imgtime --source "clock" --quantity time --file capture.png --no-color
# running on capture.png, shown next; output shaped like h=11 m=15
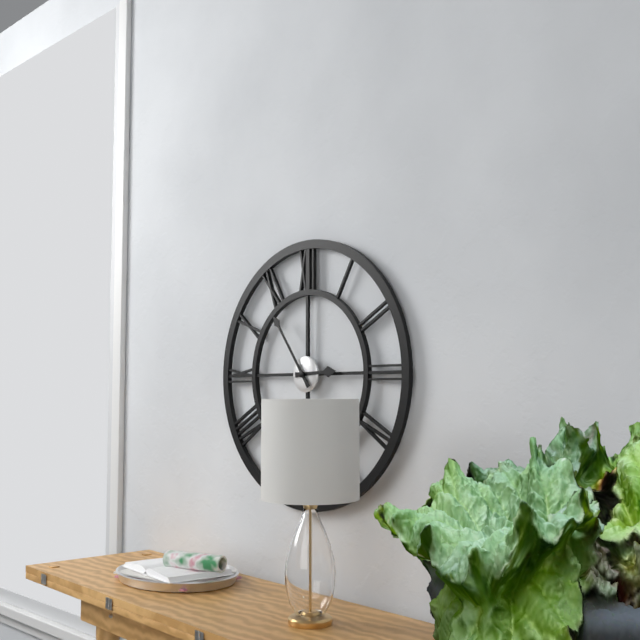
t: h=2 m=54
